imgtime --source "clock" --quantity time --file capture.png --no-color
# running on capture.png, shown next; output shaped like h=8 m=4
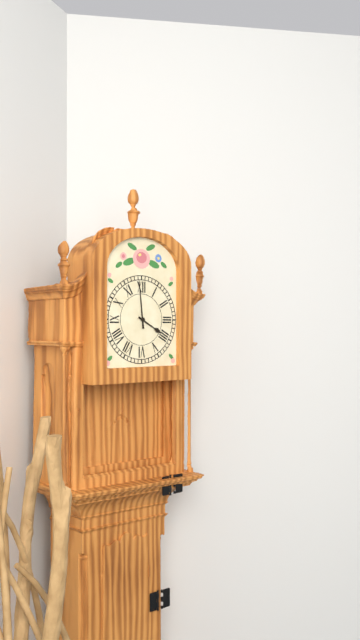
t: h=3 m=59
